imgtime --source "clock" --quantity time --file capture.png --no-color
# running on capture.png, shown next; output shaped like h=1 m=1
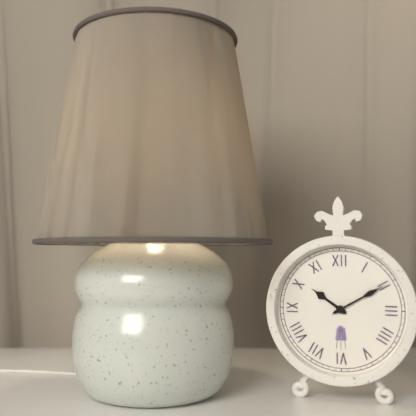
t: h=10 m=10
